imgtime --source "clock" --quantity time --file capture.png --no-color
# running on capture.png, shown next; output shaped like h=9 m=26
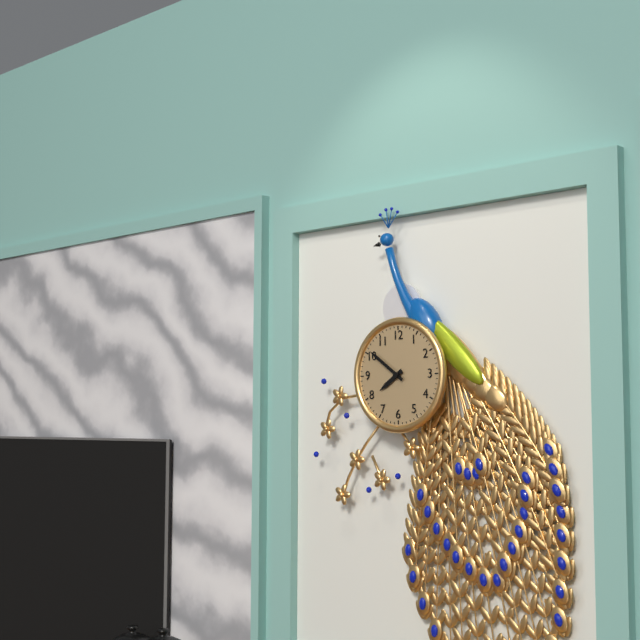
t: h=7 m=51
